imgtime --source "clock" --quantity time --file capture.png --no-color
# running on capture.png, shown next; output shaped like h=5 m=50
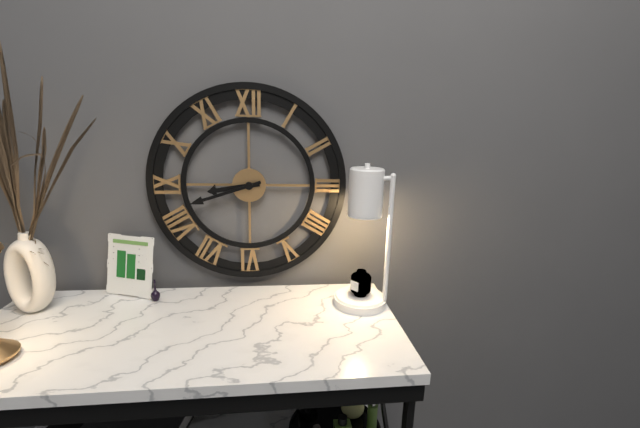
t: h=8 m=42
